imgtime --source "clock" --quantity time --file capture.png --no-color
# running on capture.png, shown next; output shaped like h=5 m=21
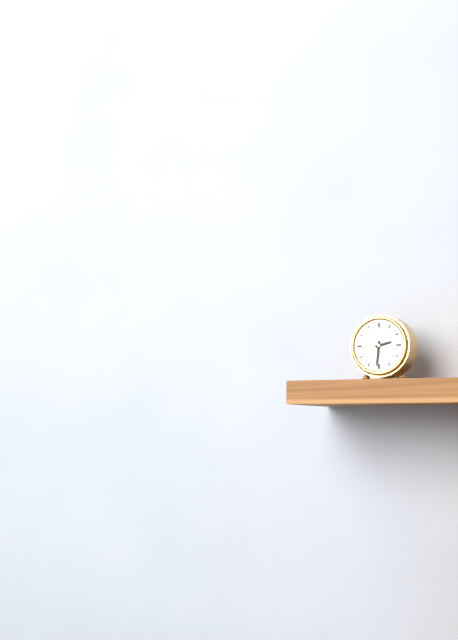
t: h=2 m=31
